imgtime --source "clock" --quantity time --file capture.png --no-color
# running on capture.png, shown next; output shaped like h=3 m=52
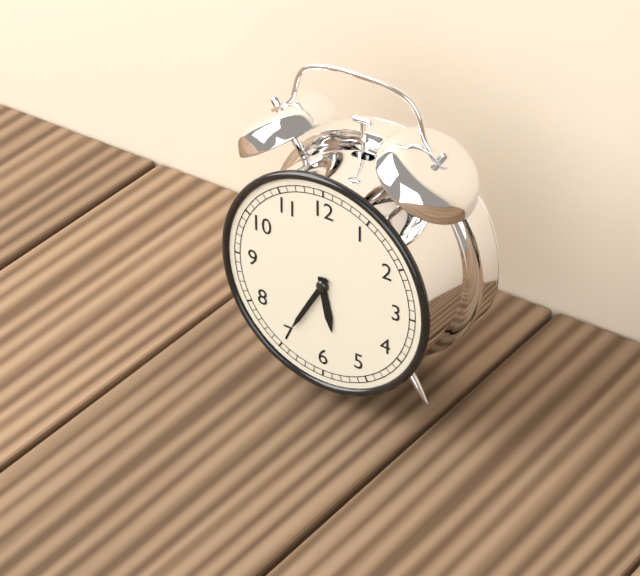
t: h=5 m=35
